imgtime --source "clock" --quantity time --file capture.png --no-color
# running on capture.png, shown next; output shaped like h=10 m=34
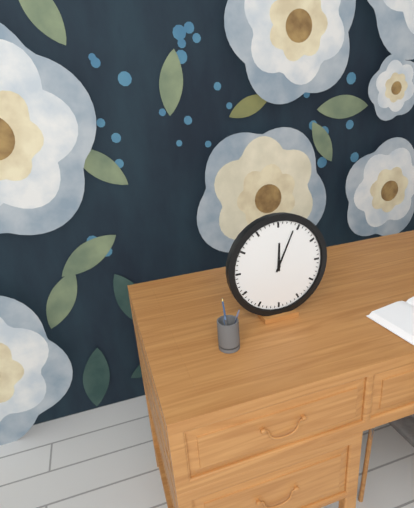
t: h=12 m=4
